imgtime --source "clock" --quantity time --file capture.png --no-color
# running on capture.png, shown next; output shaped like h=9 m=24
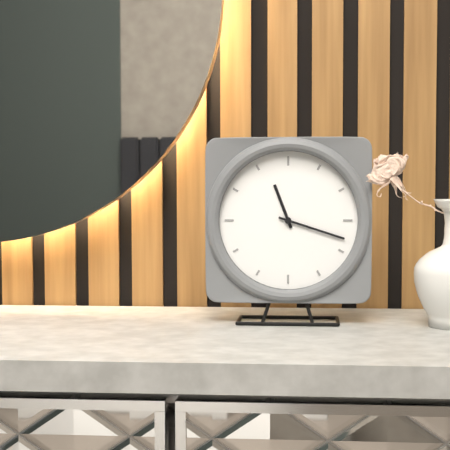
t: h=11 m=18
